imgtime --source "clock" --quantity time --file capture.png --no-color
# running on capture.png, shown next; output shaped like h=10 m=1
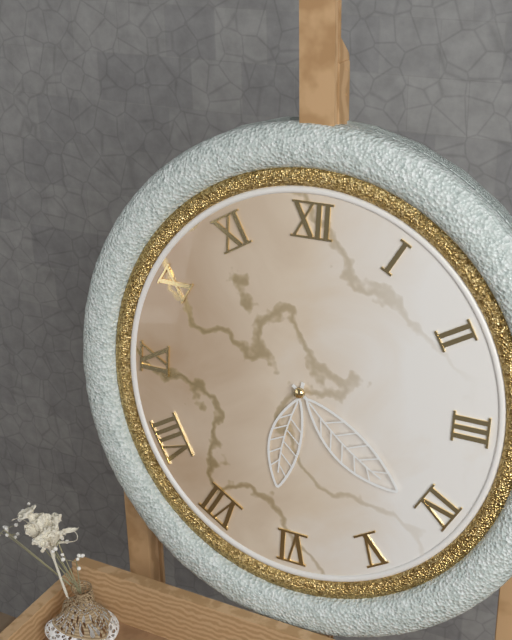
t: h=6 m=21
